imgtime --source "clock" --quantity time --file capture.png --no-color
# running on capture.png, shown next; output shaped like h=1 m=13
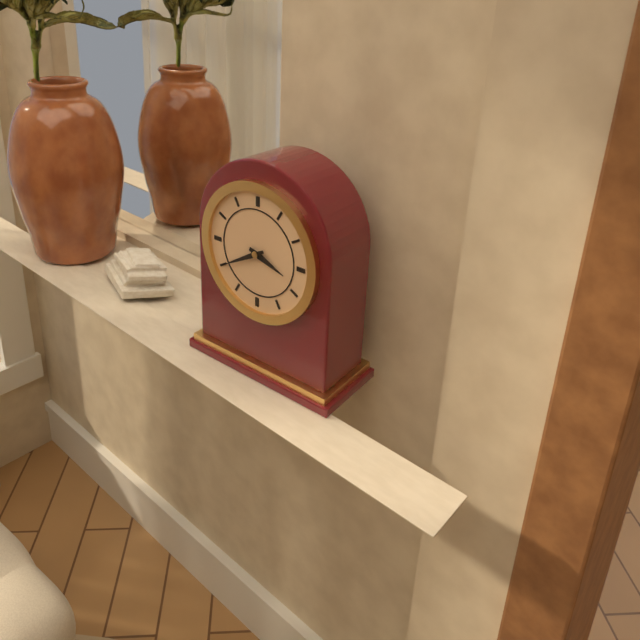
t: h=3 m=40
